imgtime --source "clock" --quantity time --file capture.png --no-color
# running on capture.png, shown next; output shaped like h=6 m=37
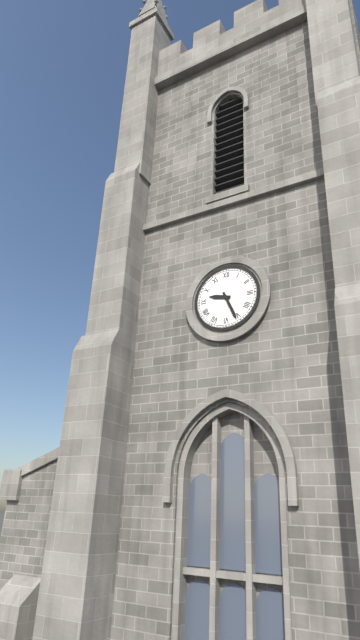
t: h=9 m=26
